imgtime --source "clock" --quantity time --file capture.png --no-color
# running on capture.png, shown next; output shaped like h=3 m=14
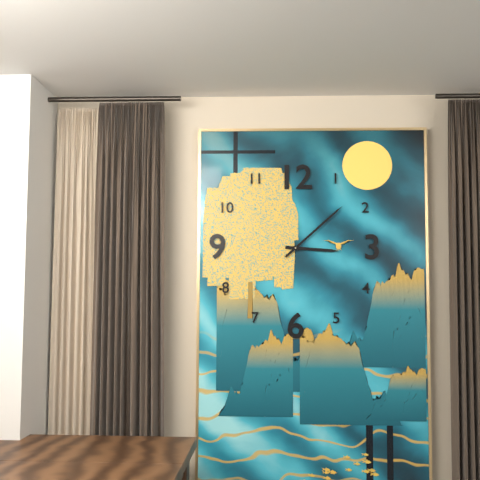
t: h=3 m=8
